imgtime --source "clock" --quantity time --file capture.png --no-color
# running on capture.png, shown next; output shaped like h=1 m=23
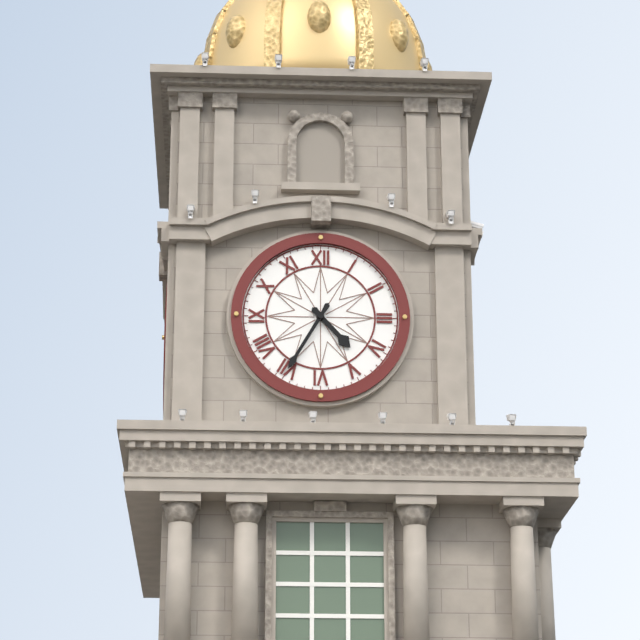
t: h=4 m=35
